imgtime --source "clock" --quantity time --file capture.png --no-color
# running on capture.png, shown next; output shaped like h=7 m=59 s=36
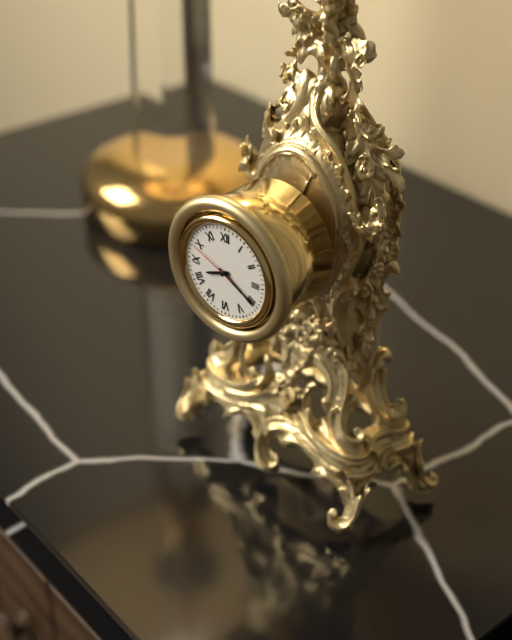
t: h=8 m=20 s=49
